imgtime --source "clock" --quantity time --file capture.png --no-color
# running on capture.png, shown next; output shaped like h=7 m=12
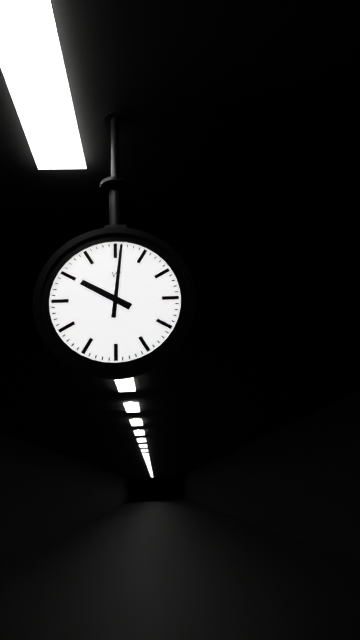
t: h=10 m=1
